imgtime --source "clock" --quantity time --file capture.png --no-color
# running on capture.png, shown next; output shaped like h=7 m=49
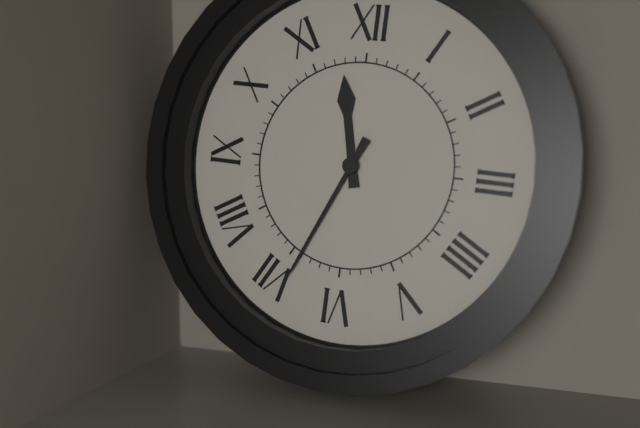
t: h=11 m=34
